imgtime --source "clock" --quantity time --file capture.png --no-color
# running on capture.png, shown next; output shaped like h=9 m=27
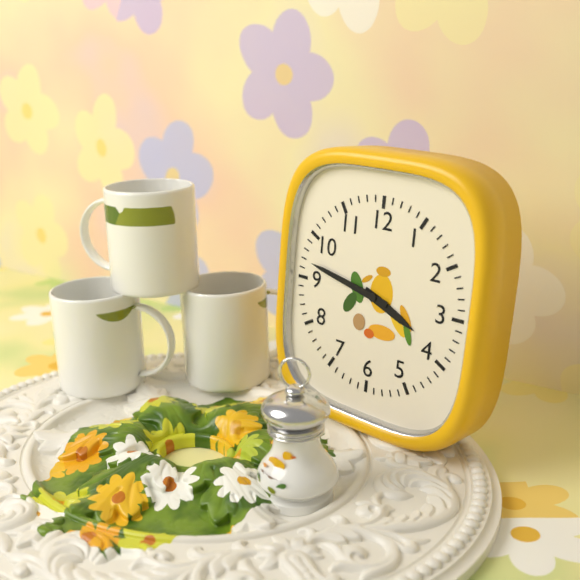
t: h=3 m=47
